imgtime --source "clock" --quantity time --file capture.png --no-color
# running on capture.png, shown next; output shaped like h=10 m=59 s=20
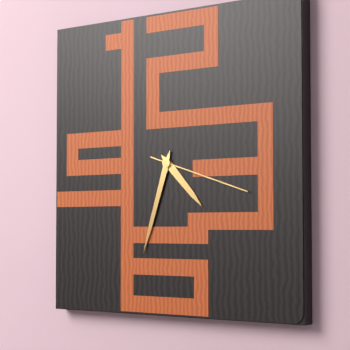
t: h=4 m=33 s=18
